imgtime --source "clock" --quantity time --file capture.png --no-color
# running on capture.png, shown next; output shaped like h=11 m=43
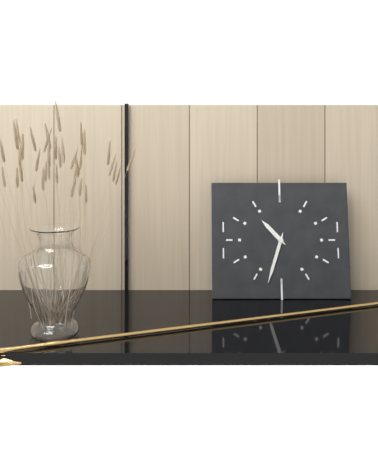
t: h=10 m=33
